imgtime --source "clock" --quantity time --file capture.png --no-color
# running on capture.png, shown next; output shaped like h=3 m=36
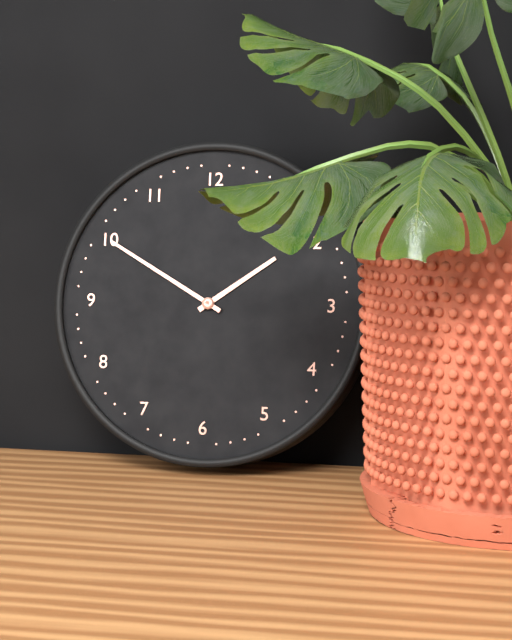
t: h=1 m=50
